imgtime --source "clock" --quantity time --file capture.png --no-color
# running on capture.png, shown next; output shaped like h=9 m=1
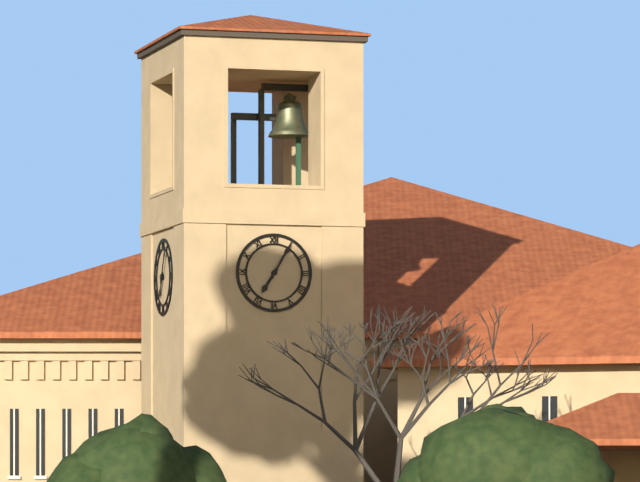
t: h=7 m=5
